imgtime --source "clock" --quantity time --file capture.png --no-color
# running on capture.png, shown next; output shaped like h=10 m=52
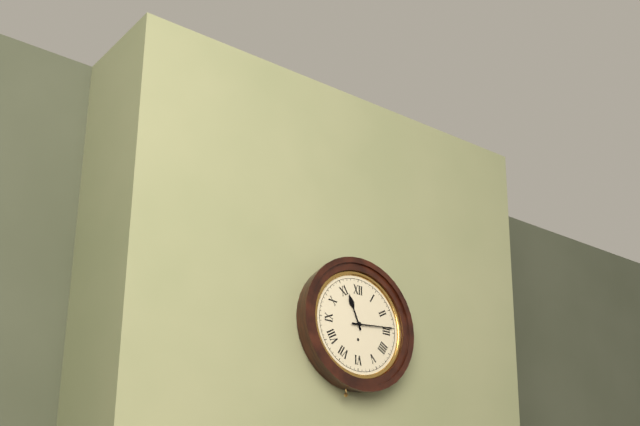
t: h=11 m=14
